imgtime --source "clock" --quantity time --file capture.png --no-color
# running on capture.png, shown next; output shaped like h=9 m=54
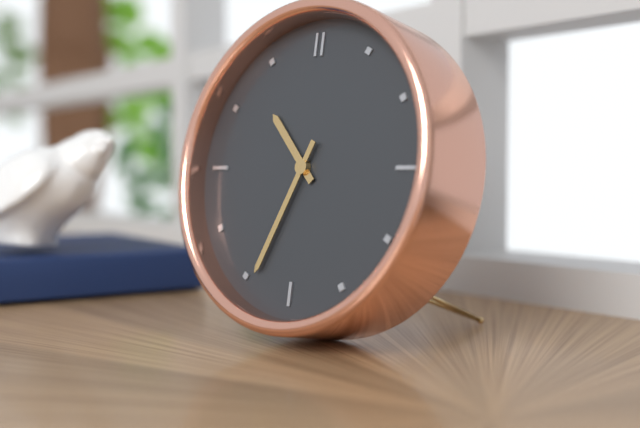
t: h=10 m=34
